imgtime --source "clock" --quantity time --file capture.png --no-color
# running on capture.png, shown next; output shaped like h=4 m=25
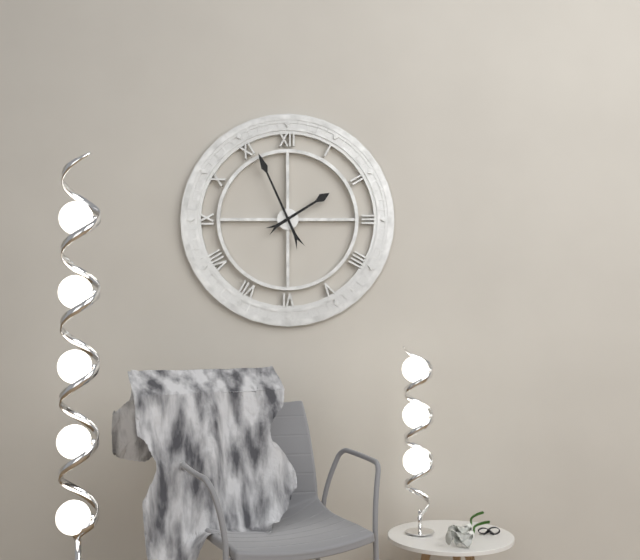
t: h=1 m=56
